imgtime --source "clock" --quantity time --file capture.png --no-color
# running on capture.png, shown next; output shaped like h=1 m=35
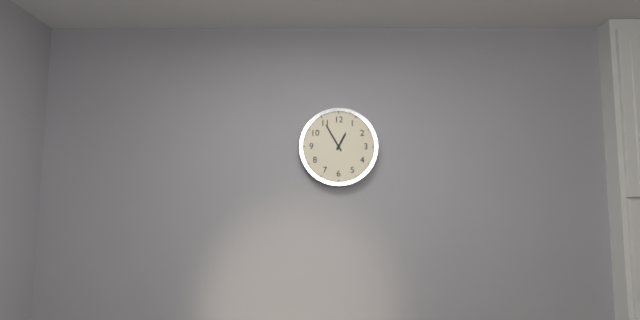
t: h=12 m=55
